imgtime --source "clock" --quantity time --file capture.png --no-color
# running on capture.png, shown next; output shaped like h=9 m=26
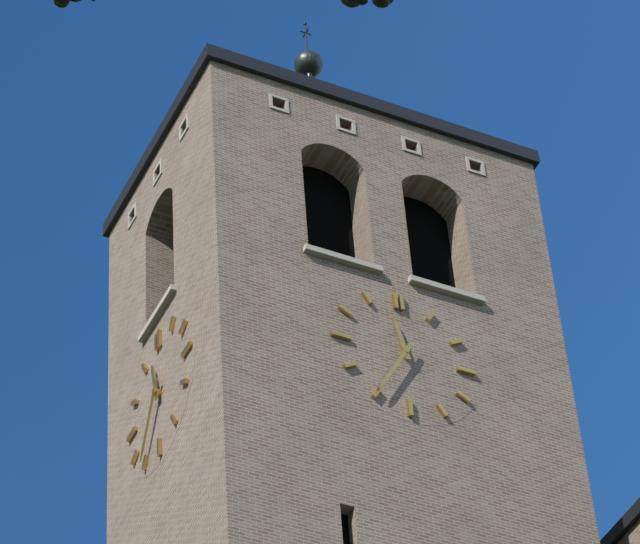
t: h=11 m=35
